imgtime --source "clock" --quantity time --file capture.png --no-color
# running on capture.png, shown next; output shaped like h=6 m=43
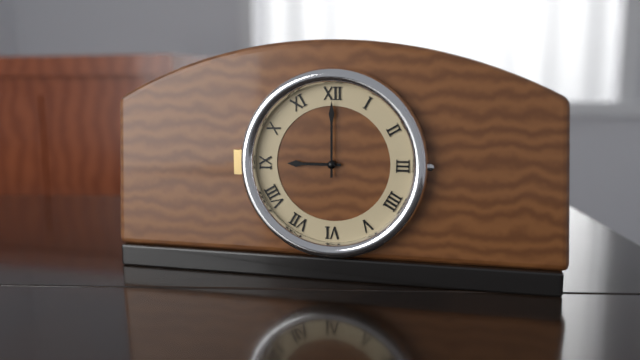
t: h=9 m=0
